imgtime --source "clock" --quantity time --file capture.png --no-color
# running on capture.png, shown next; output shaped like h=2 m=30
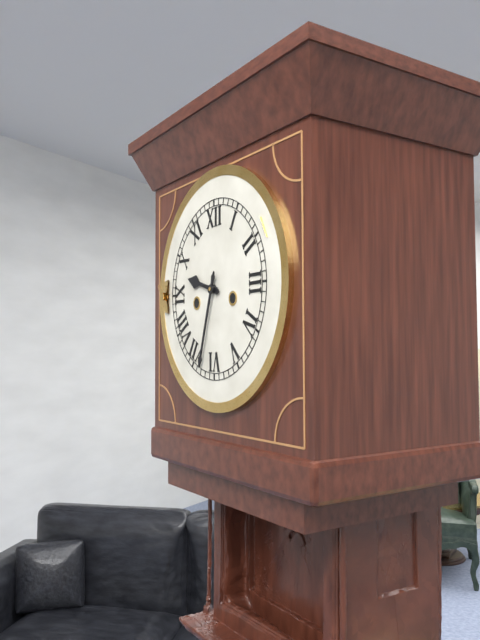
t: h=9 m=33
